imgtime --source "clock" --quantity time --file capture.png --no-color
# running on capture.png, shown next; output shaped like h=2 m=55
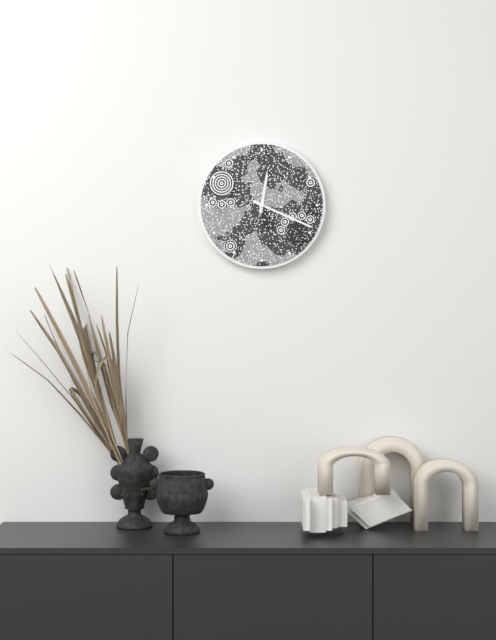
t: h=12 m=19
